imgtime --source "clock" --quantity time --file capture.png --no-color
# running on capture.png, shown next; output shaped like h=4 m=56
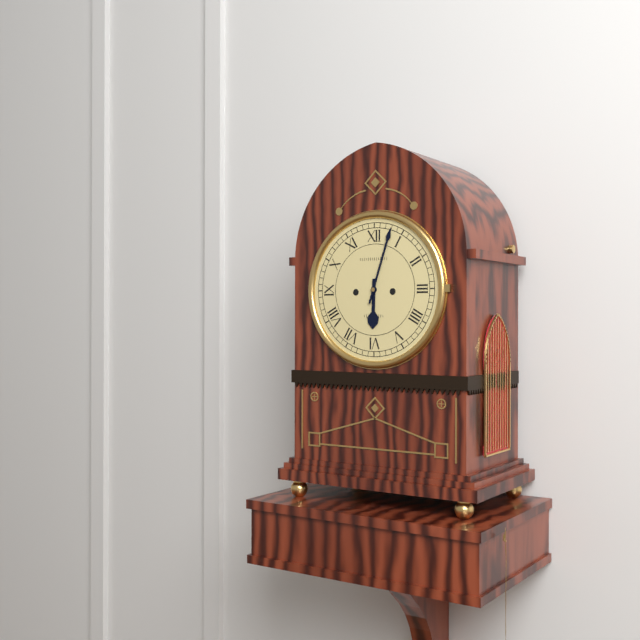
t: h=6 m=3
